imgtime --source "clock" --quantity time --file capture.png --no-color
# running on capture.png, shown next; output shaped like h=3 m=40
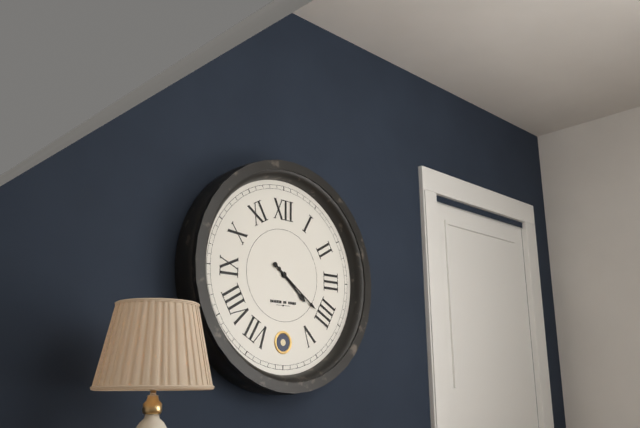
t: h=4 m=21
